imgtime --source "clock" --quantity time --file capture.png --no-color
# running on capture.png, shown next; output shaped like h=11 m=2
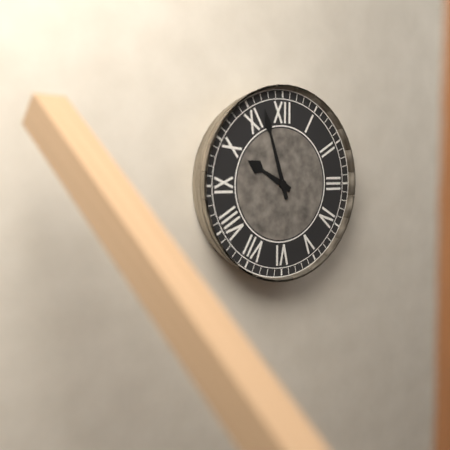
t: h=9 m=57
